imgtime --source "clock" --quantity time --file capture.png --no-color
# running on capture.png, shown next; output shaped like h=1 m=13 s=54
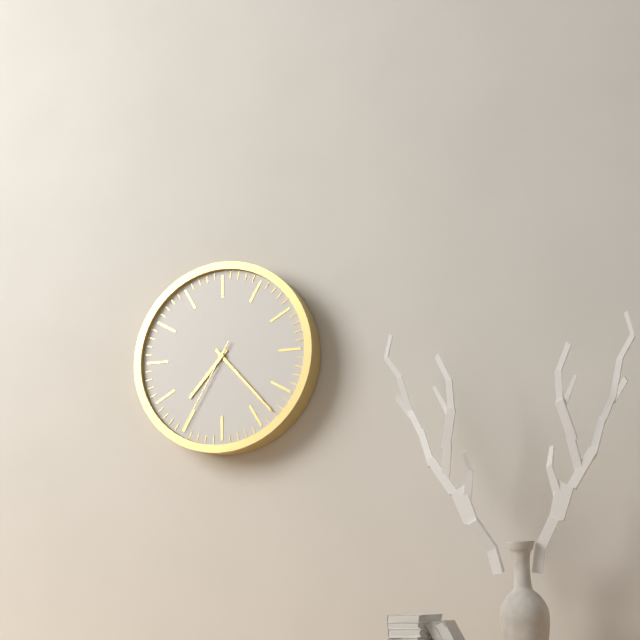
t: h=7 m=23 s=35
